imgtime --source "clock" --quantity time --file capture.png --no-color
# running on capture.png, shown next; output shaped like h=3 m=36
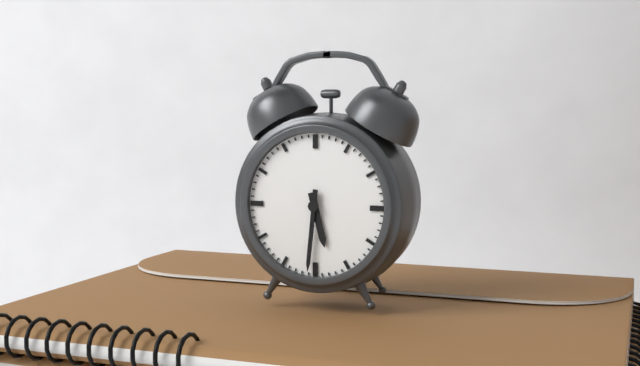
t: h=5 m=31
